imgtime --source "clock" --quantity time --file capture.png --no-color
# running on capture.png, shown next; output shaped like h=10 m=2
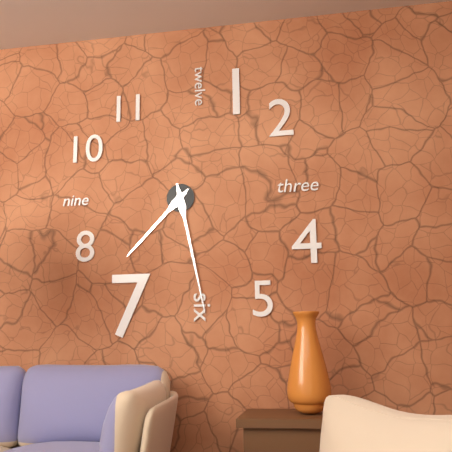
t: h=7 m=28
